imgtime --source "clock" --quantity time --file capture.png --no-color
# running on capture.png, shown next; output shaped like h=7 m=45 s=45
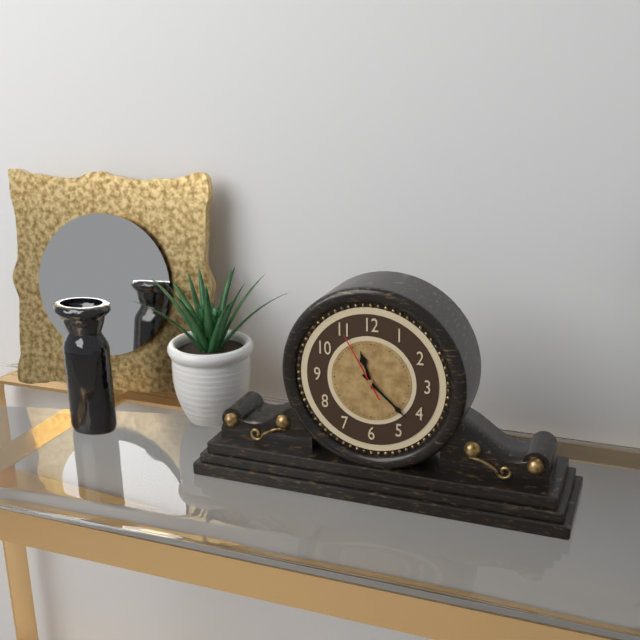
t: h=11 m=22 s=55
